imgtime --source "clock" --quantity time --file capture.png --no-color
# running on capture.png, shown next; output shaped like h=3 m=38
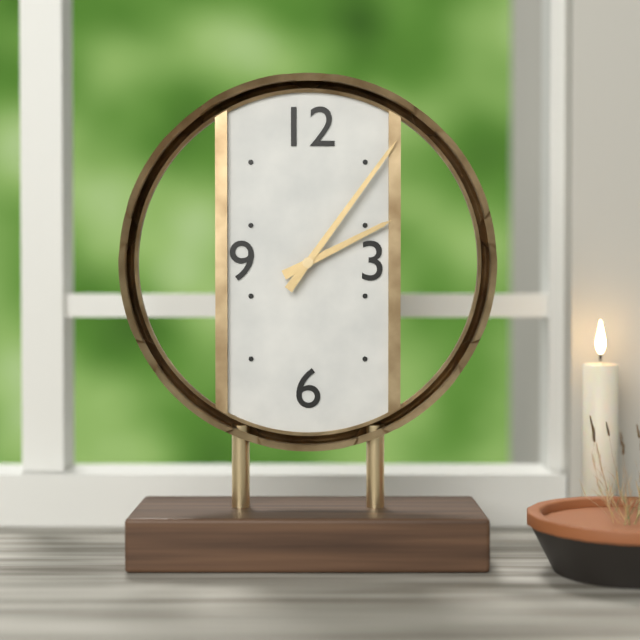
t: h=2 m=6
